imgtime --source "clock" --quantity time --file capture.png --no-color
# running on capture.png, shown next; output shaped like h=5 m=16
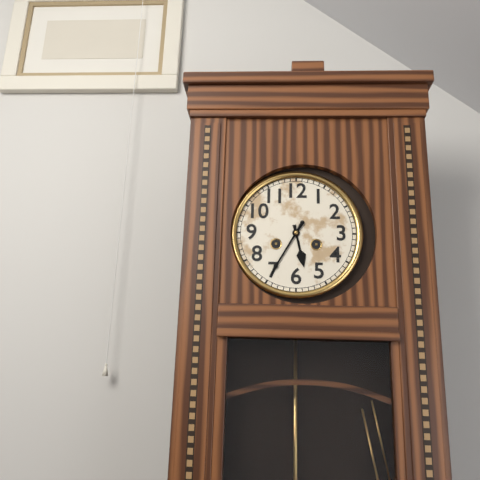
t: h=5 m=35
